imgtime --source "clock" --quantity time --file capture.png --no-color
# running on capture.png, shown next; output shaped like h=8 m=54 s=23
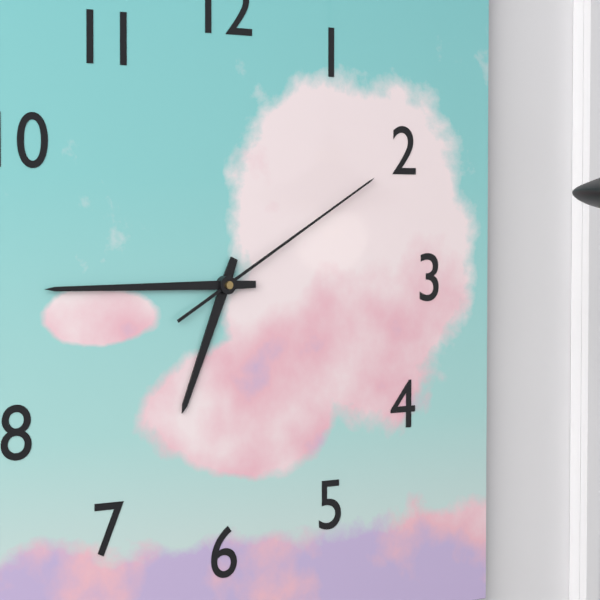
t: h=6 m=45 s=10
